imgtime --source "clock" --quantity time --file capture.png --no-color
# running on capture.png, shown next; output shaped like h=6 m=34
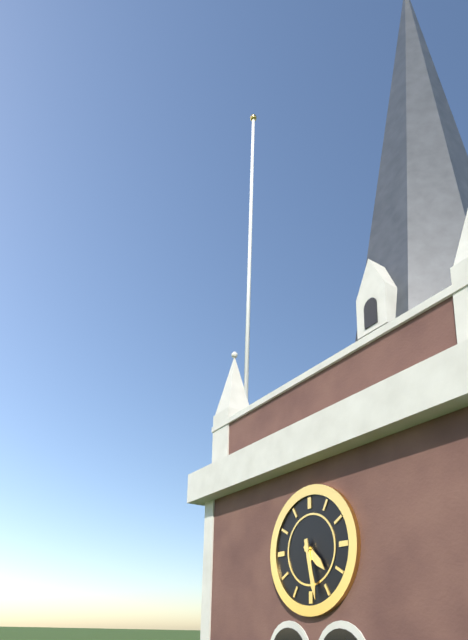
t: h=4 m=28
